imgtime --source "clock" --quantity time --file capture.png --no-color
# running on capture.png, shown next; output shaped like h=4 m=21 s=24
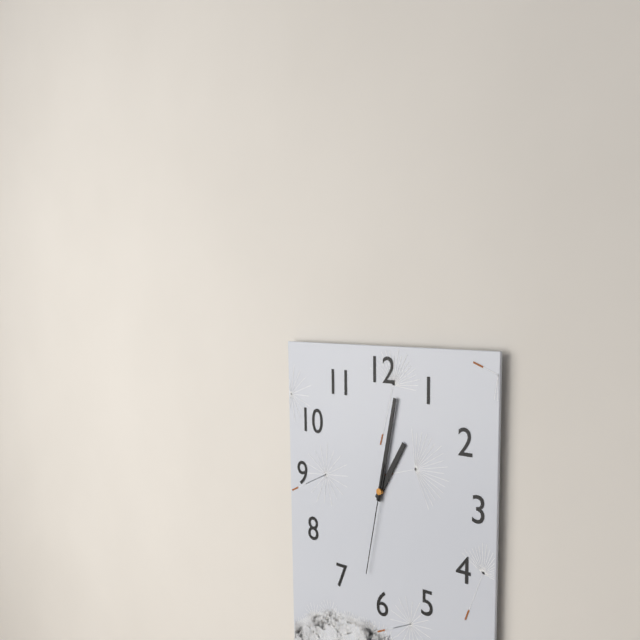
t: h=1 m=2 s=32
